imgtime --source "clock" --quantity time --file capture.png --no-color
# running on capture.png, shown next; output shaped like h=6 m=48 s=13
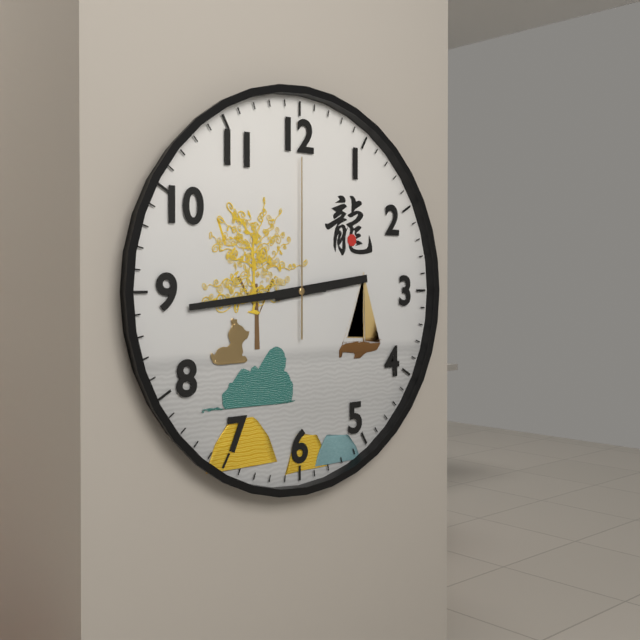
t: h=2 m=44 s=0
